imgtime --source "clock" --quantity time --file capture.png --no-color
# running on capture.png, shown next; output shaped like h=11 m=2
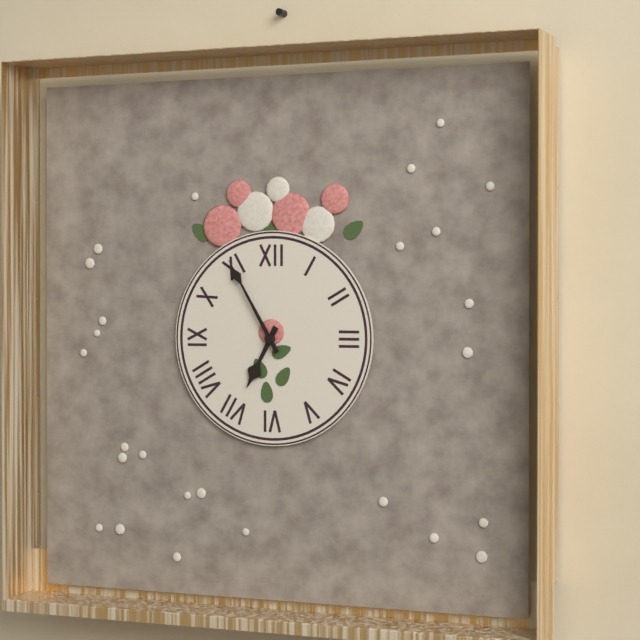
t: h=6 m=55
